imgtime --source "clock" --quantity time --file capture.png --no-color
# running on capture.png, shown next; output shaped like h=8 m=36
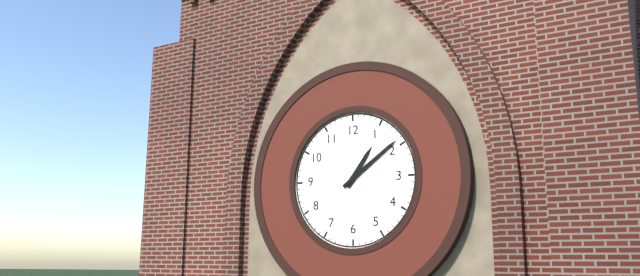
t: h=1 m=9
